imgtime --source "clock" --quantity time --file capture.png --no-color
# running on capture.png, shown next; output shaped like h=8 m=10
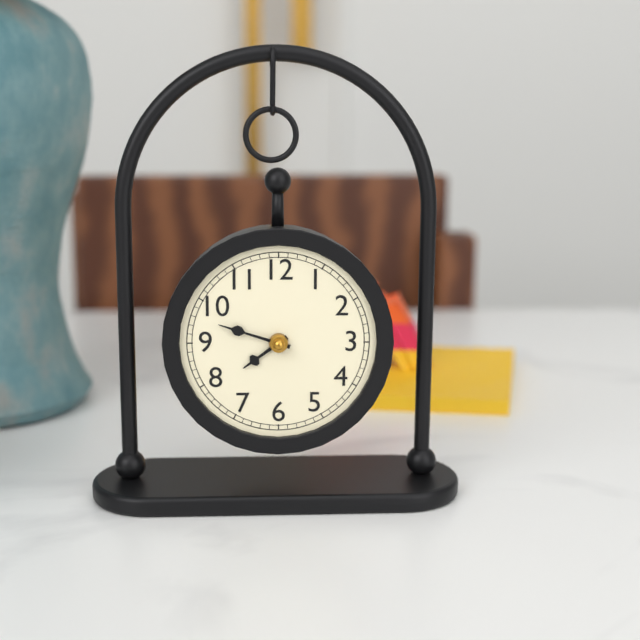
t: h=7 m=48
